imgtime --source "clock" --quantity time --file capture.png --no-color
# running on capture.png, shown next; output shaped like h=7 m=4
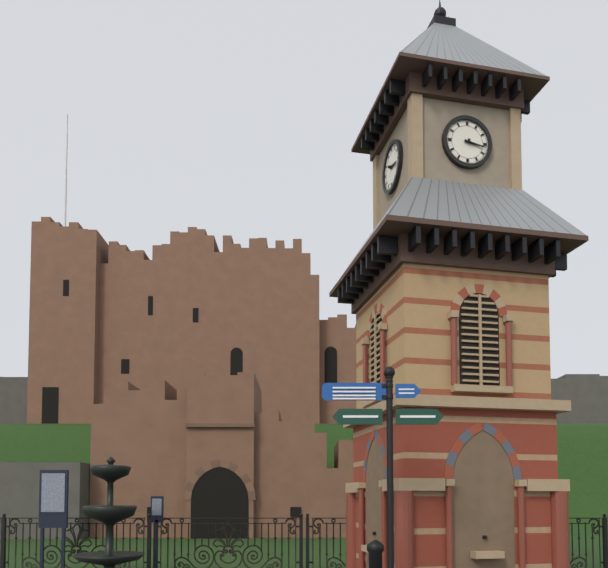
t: h=3 m=17
